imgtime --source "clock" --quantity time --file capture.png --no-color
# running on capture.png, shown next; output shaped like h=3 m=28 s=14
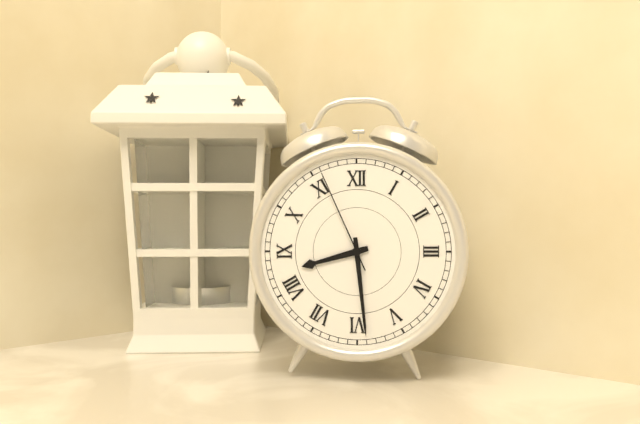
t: h=8 m=29 s=56
